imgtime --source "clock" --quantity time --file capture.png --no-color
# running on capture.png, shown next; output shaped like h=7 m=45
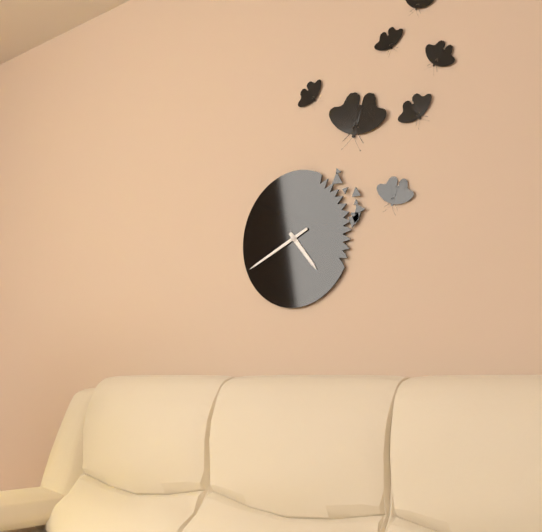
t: h=4 m=41
